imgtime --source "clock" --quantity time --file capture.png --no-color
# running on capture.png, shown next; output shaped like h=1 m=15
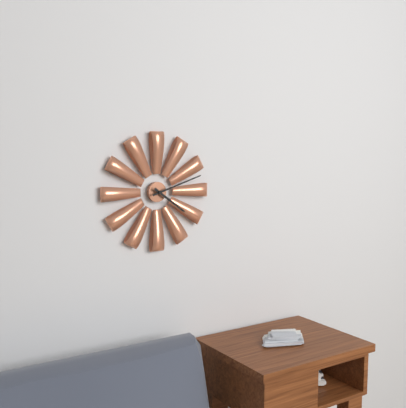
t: h=4 m=12
